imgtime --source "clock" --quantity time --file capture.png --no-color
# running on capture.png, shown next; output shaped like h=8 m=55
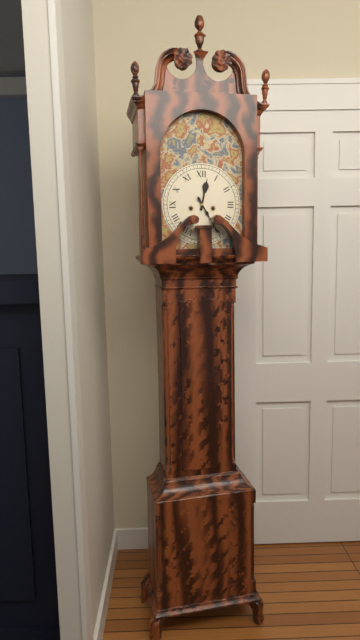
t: h=12 m=25
